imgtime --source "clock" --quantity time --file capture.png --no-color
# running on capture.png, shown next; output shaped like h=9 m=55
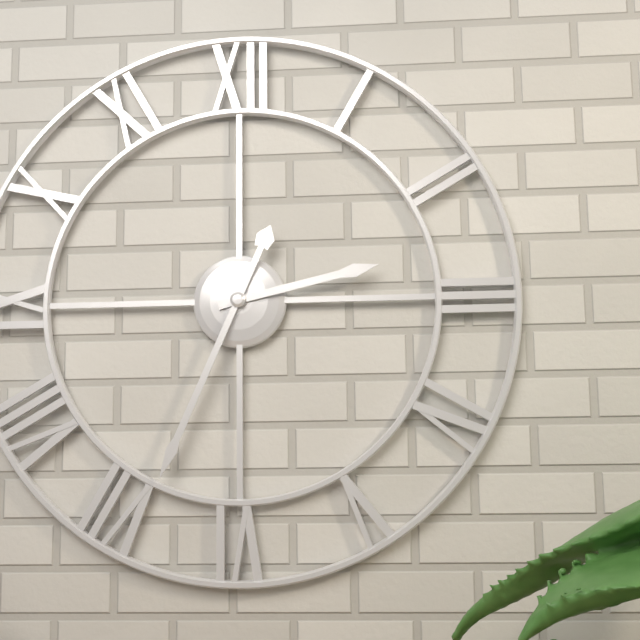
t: h=2 m=34
